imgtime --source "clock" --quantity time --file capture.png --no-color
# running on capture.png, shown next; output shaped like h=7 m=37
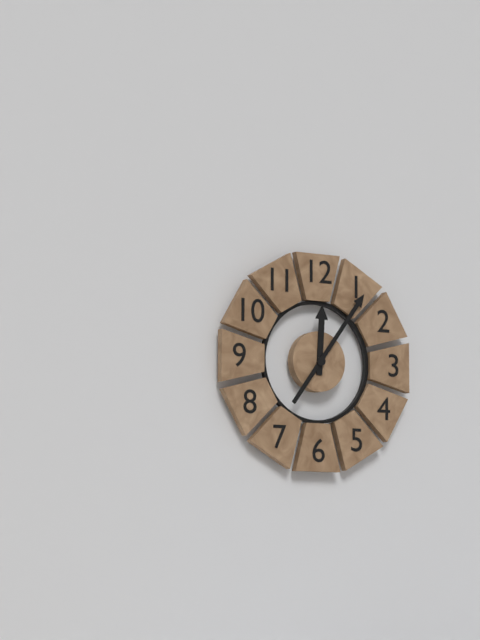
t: h=12 m=6
